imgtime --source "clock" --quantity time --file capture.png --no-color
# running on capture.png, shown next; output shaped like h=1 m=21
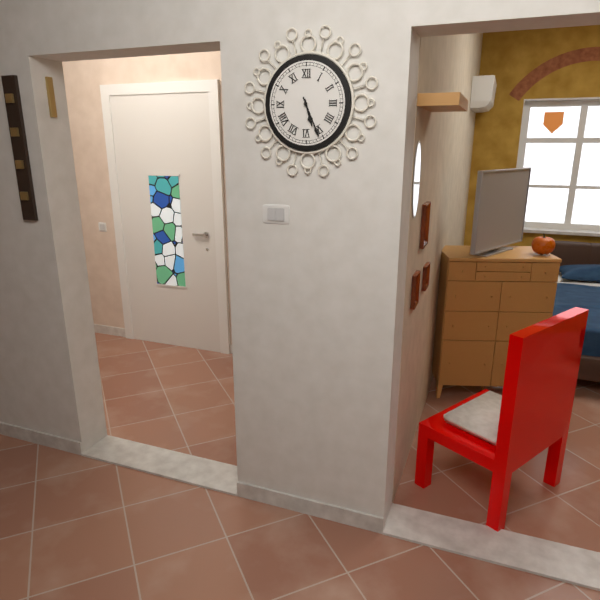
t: h=5 m=26
